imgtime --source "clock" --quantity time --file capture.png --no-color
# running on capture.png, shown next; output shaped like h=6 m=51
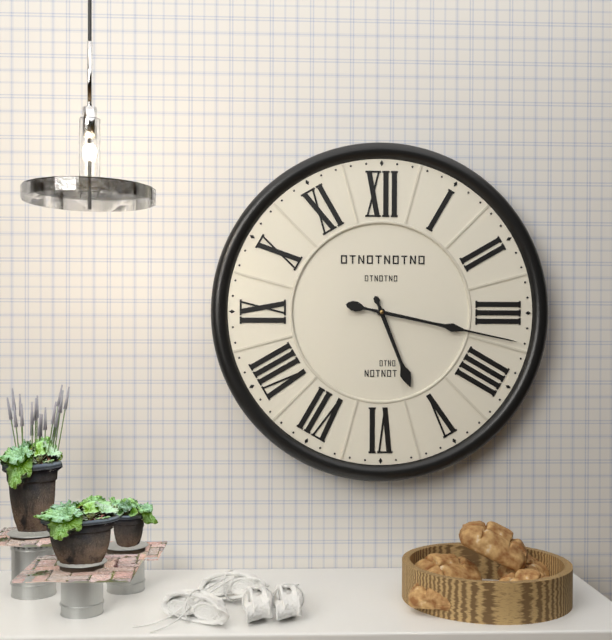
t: h=5 m=17
